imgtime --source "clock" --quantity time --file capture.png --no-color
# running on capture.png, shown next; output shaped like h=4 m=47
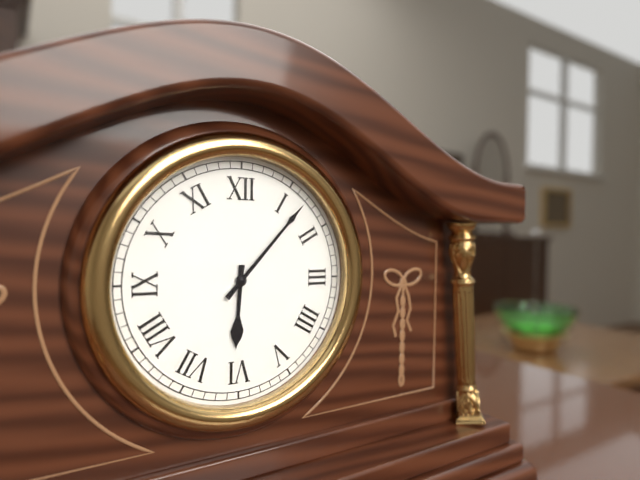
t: h=6 m=7
